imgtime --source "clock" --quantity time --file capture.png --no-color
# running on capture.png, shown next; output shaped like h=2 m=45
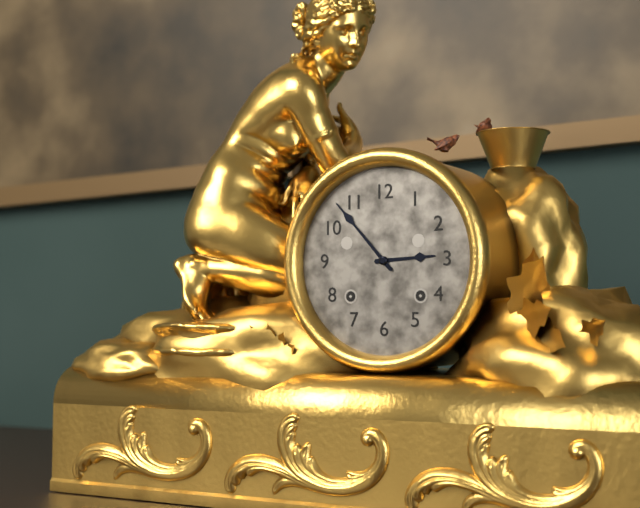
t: h=2 m=53
